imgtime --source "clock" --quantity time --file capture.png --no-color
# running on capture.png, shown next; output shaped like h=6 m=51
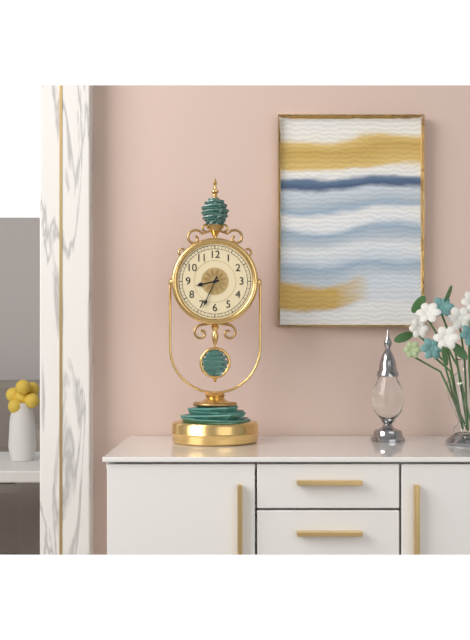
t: h=8 m=34
